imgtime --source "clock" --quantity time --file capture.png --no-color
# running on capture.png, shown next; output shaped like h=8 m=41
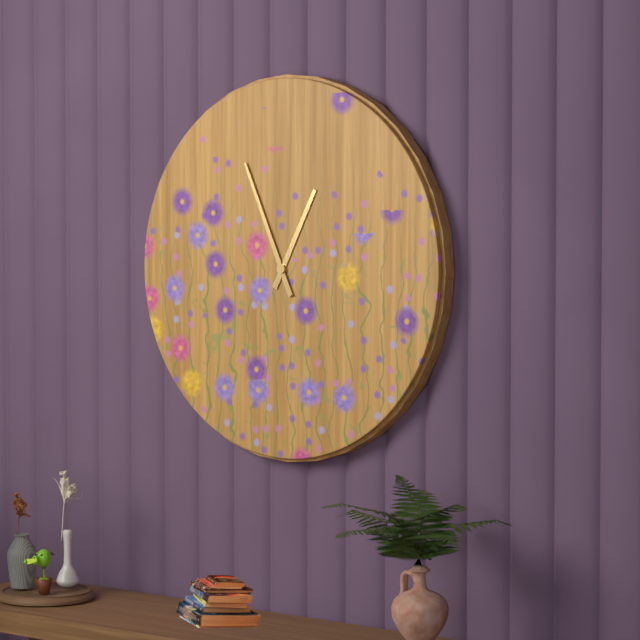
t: h=12 m=56
